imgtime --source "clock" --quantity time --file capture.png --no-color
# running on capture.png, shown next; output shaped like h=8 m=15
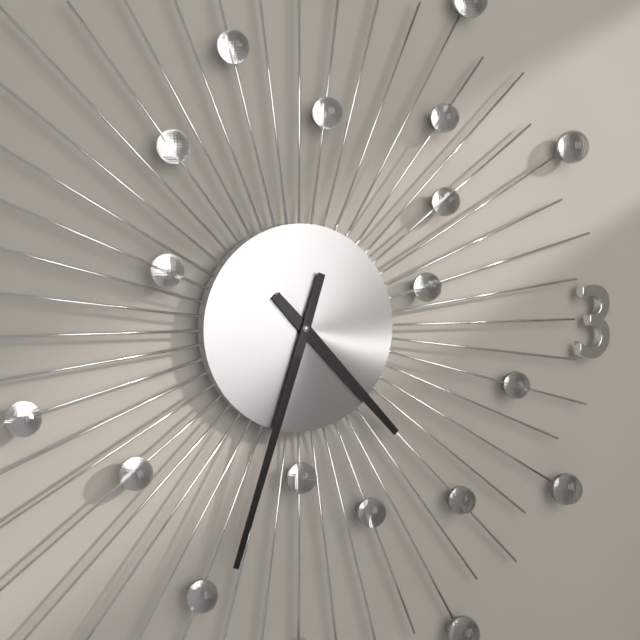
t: h=4 m=33
